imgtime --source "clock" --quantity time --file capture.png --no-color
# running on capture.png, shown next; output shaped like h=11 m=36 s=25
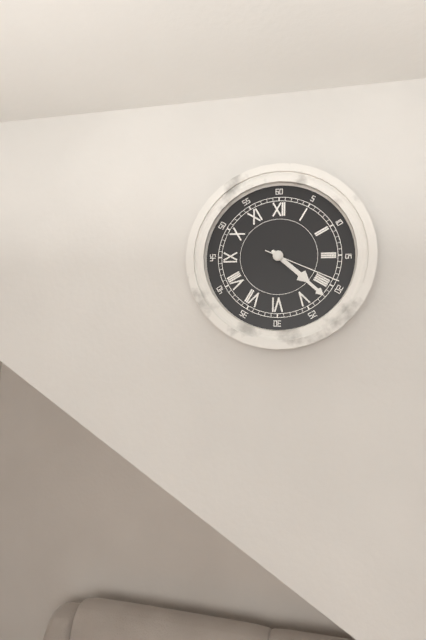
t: h=4 m=22 s=19
